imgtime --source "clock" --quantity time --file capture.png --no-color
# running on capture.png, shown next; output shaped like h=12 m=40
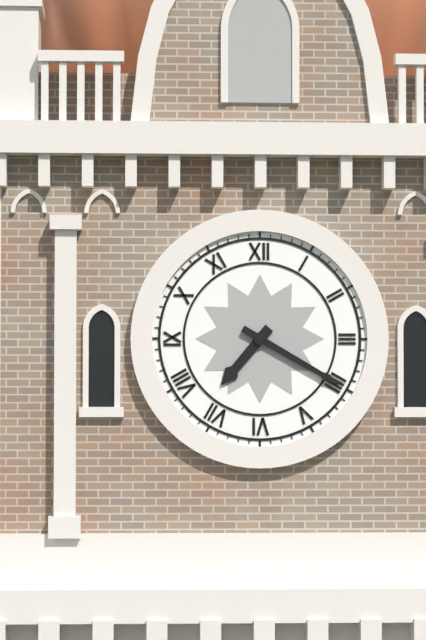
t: h=7 m=20
